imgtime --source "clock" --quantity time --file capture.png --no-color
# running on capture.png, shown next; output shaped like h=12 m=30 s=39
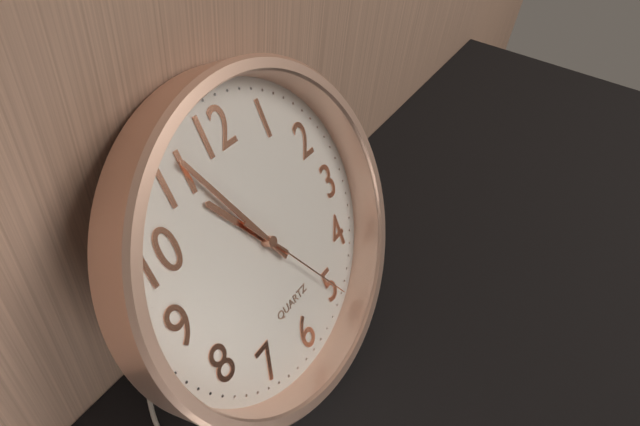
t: h=10 m=56 s=25
